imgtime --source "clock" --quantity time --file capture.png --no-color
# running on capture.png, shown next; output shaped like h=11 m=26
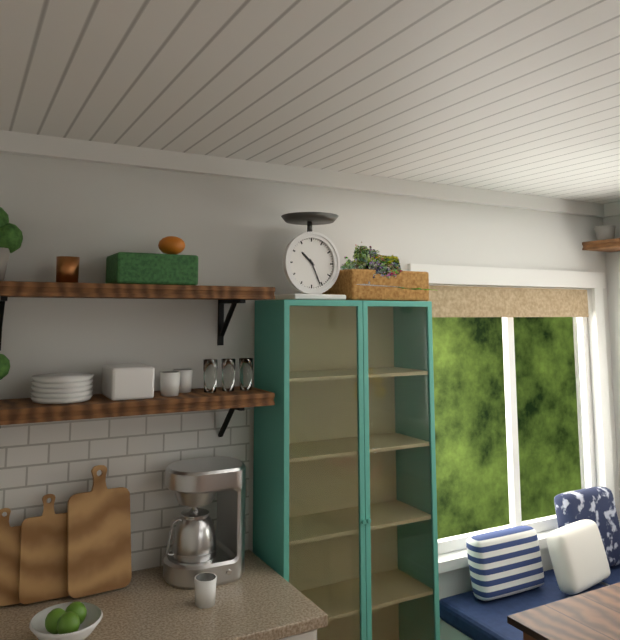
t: h=10 m=26
